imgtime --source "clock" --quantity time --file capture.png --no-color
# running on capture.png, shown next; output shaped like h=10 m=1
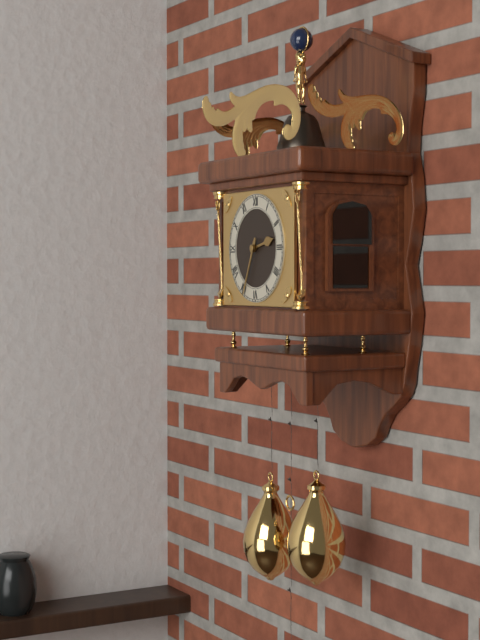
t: h=2 m=34
